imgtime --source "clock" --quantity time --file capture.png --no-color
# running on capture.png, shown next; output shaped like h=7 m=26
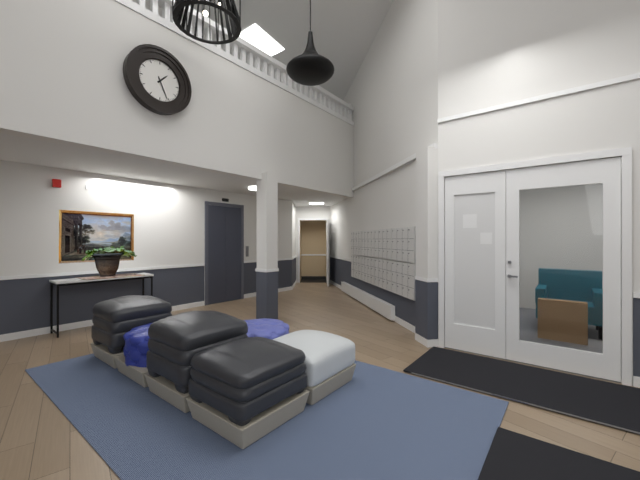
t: h=1 m=26
